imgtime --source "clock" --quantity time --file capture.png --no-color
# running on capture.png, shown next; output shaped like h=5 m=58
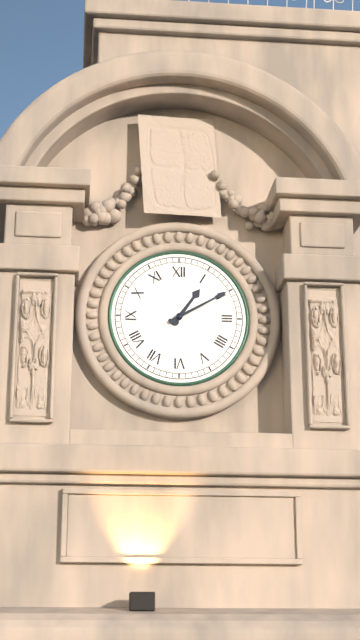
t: h=1 m=10
